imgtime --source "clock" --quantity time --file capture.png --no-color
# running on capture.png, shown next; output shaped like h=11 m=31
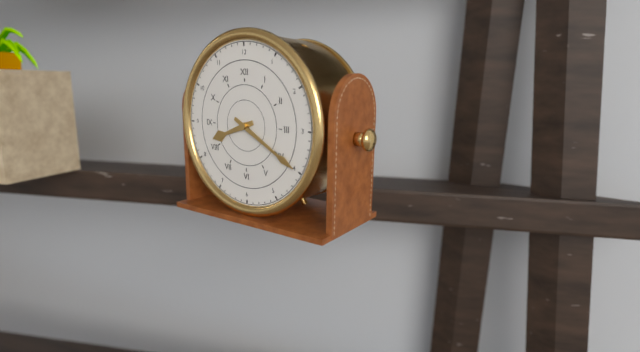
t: h=8 m=20
